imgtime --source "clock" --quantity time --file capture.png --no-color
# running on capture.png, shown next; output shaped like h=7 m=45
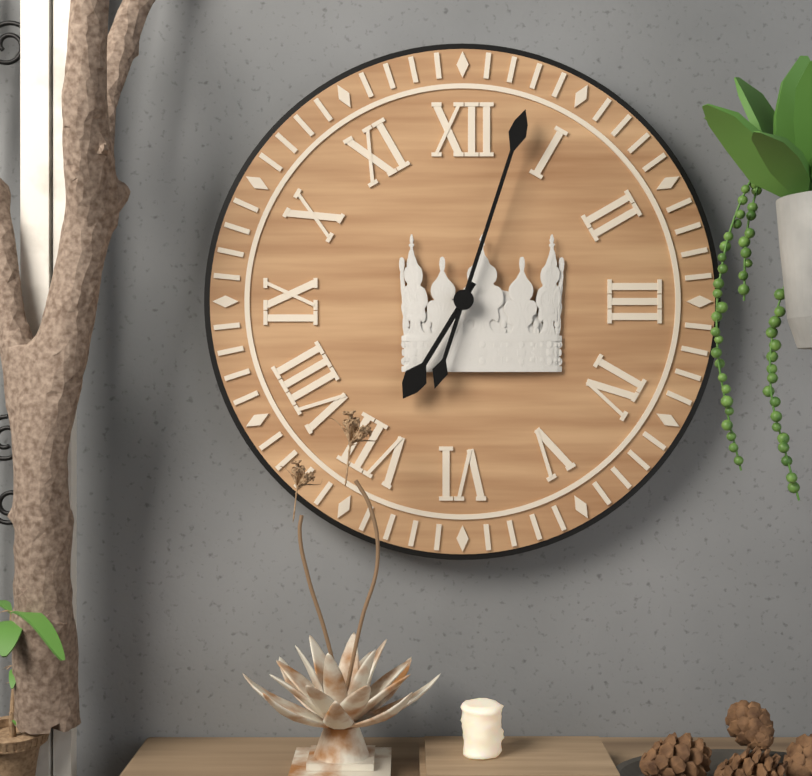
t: h=7 m=3
